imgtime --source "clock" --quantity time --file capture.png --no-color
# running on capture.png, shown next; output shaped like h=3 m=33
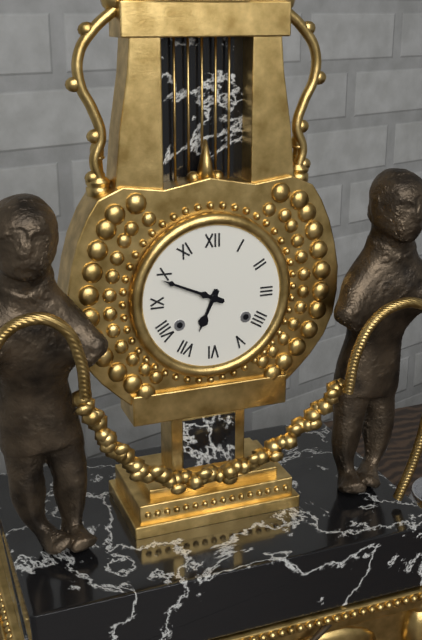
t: h=6 m=49
